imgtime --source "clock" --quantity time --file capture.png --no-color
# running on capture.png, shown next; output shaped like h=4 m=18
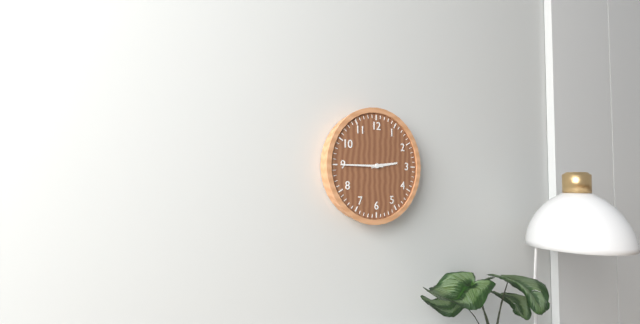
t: h=2 m=45
